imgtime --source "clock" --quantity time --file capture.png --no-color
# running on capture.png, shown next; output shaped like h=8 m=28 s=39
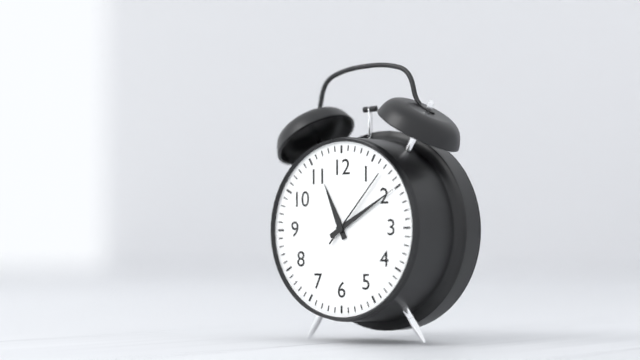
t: h=11 m=10 s=7
